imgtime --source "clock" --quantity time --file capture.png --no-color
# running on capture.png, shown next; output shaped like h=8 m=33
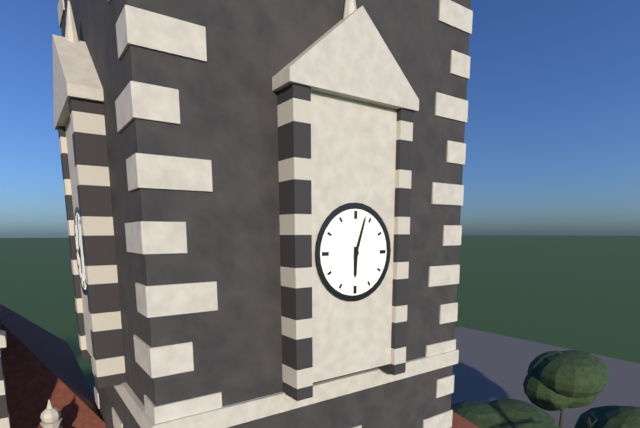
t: h=6 m=3
